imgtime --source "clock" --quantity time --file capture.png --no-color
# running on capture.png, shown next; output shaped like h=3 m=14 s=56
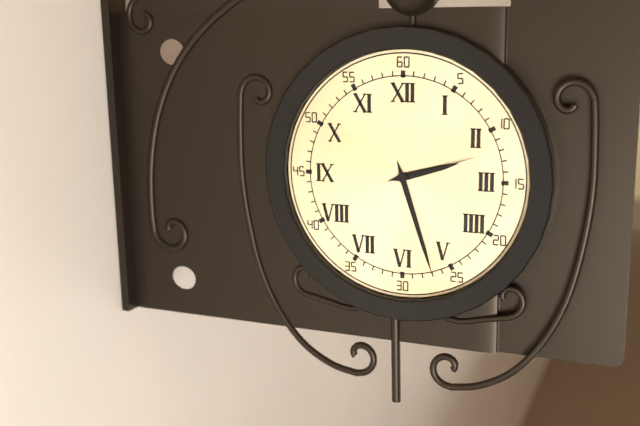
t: h=2 m=27 s=12
